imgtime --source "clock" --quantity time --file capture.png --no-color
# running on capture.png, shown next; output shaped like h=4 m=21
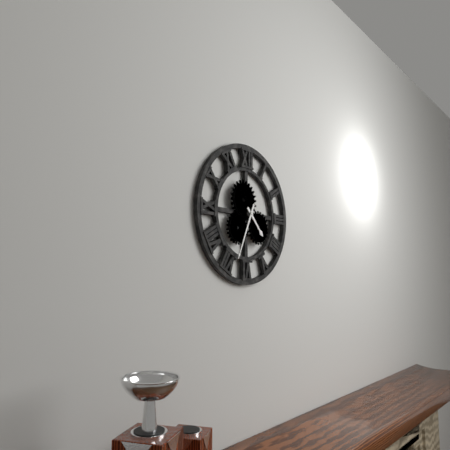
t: h=4 m=34
